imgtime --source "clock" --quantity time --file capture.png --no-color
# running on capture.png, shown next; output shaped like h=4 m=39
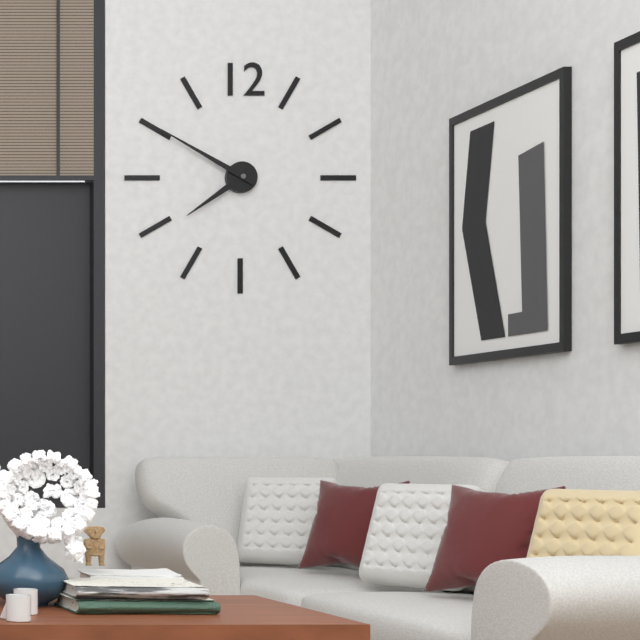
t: h=7 m=50
